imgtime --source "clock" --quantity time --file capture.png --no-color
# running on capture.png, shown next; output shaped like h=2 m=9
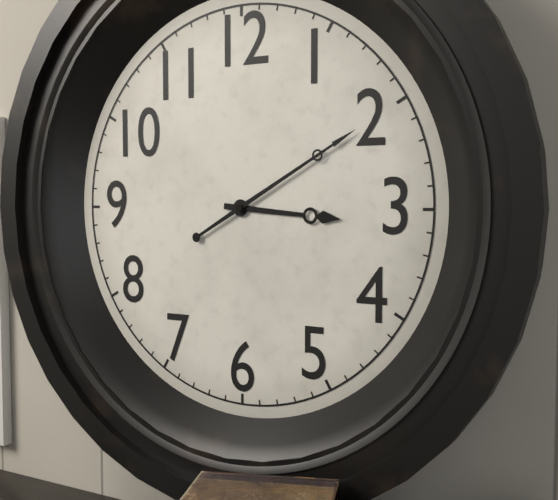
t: h=3 m=10
